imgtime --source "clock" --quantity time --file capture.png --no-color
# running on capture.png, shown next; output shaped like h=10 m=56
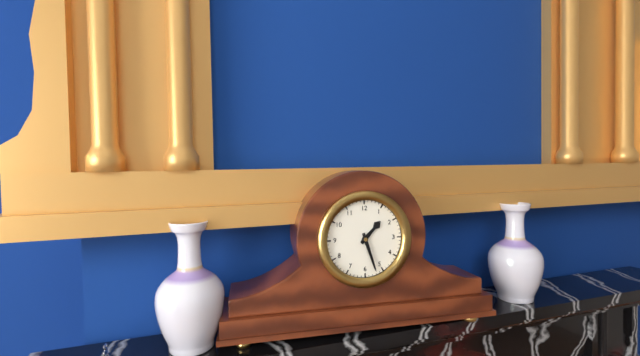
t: h=1 m=27
